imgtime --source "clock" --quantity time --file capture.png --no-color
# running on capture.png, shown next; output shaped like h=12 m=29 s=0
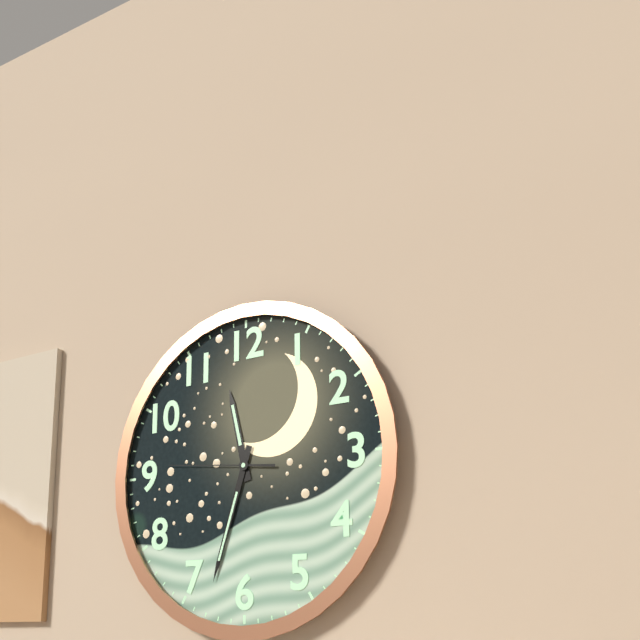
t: h=11 m=33 s=46
